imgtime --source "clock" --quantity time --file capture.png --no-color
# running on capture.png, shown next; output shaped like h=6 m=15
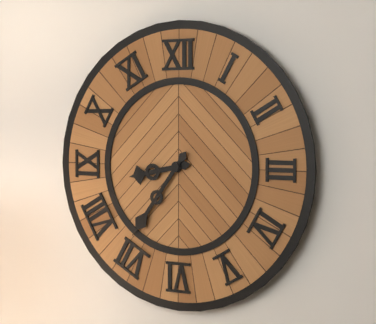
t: h=8 m=36
